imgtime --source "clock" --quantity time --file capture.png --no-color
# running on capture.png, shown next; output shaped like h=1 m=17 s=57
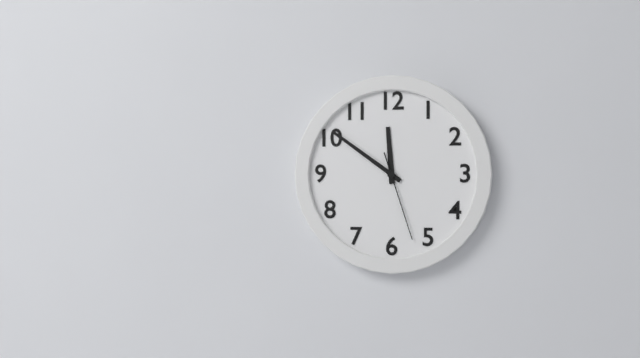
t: h=11 m=51 s=27
